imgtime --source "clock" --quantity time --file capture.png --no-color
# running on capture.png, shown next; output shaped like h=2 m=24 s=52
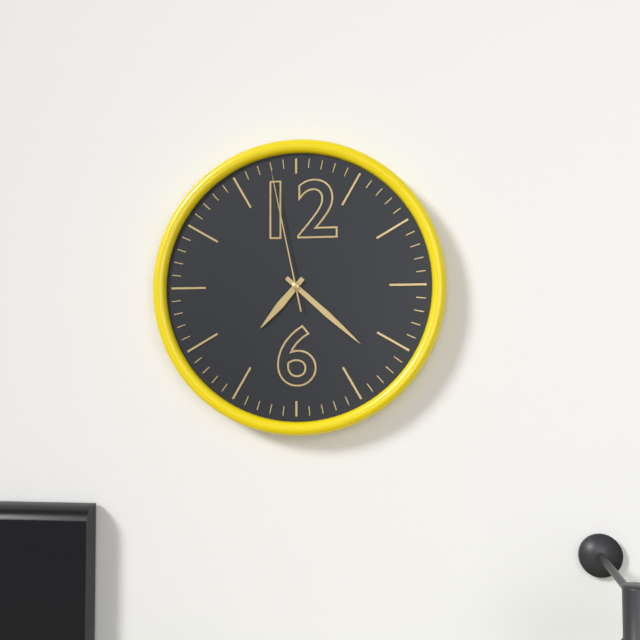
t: h=7 m=22 s=58
